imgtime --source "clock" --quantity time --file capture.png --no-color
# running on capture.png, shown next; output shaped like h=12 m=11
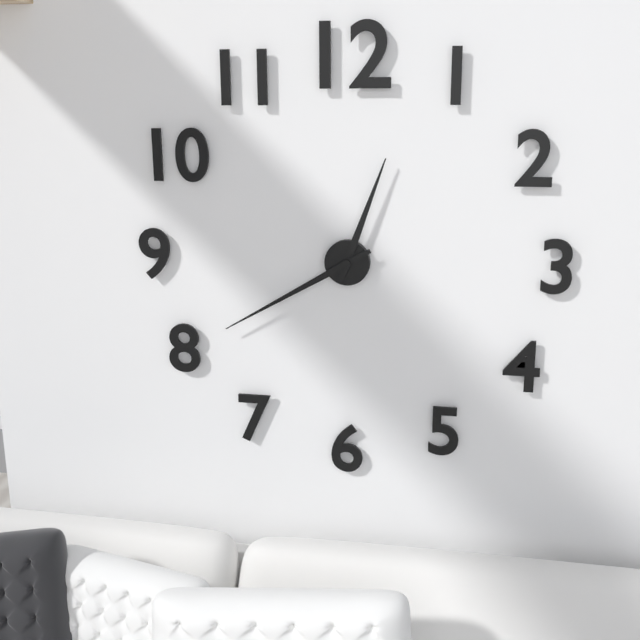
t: h=12 m=40
